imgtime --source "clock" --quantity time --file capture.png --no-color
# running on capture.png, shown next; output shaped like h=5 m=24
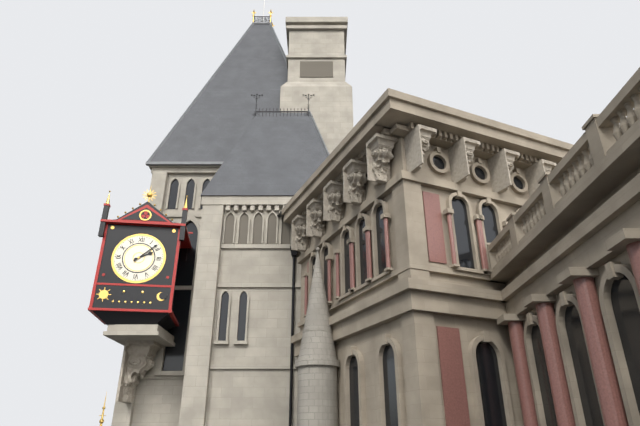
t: h=2 m=8
